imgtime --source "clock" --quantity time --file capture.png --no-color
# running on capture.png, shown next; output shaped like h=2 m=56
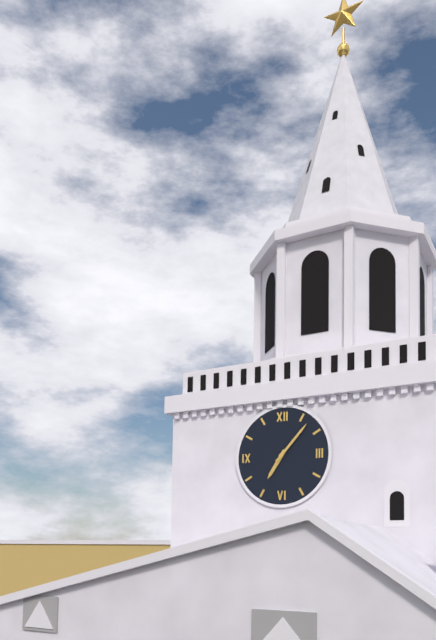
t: h=7 m=7
